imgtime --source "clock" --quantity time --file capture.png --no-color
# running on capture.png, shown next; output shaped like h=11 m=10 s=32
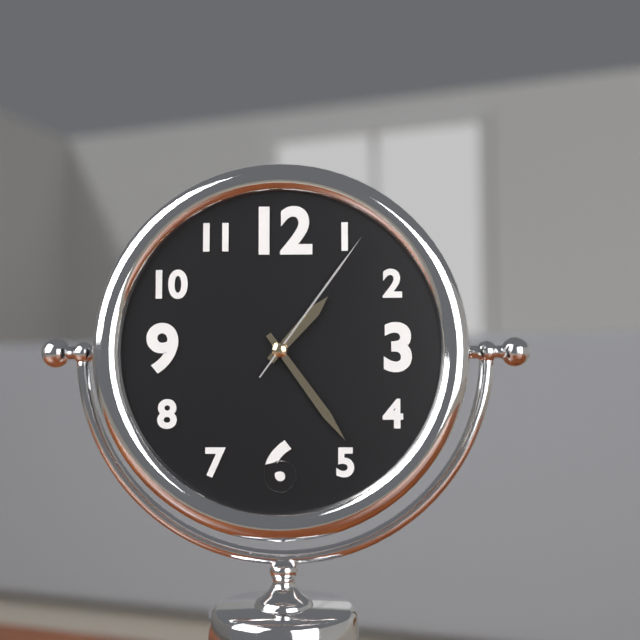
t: h=1 m=24 s=6
